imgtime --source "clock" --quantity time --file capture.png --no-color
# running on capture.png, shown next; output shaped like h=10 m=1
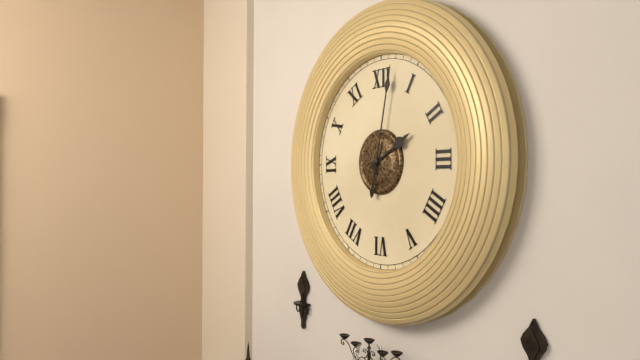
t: h=2 m=2
